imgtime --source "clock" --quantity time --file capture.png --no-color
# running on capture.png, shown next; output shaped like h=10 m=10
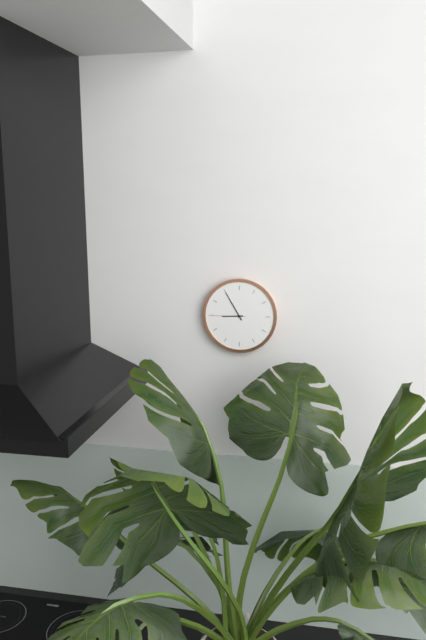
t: h=8 m=55
